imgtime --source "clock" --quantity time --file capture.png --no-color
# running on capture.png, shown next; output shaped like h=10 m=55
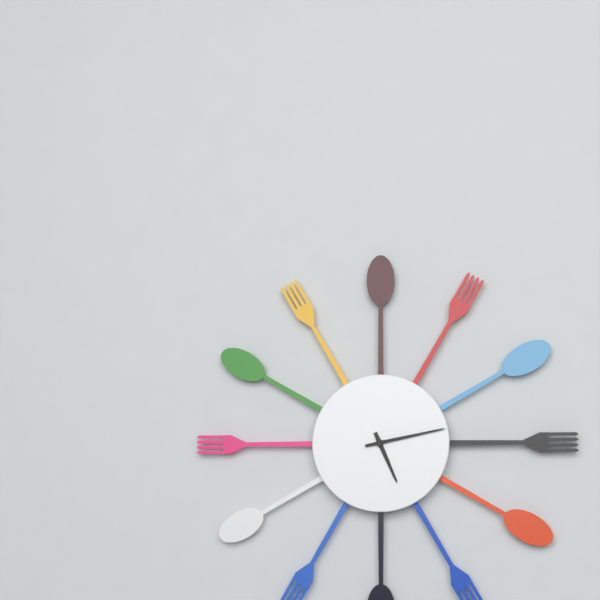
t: h=5 m=13
